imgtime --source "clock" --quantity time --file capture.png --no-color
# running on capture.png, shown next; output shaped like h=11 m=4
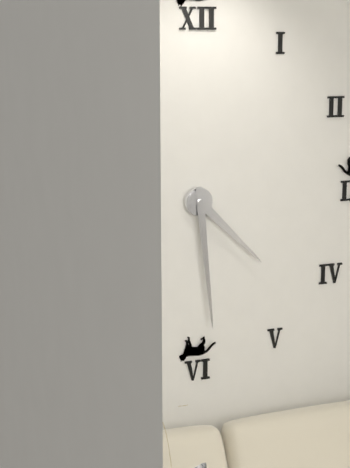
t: h=4 m=29
